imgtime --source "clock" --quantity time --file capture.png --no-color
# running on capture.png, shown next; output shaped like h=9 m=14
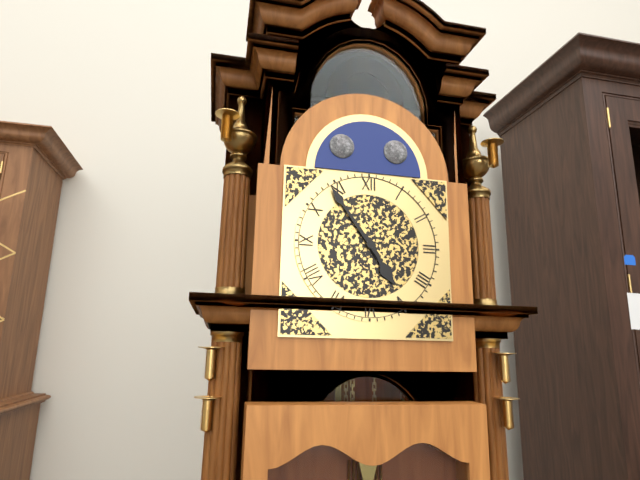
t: h=4 m=54
